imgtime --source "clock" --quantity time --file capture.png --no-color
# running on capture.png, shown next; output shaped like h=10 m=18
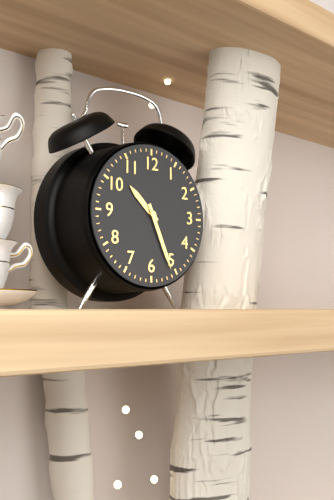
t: h=10 m=26
